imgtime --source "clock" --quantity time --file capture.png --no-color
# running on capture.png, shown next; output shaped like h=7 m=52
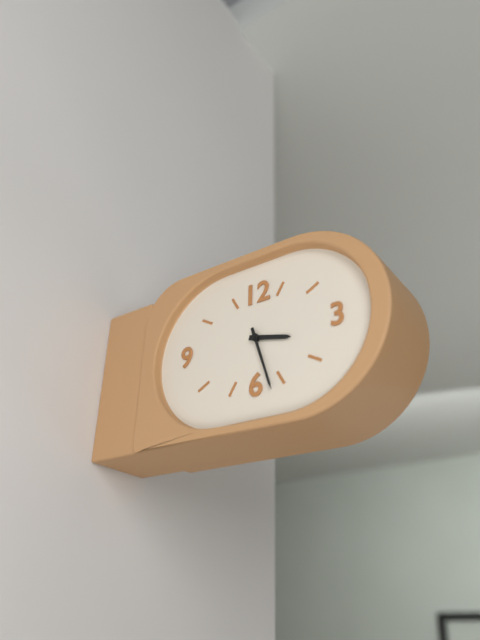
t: h=3 m=27
